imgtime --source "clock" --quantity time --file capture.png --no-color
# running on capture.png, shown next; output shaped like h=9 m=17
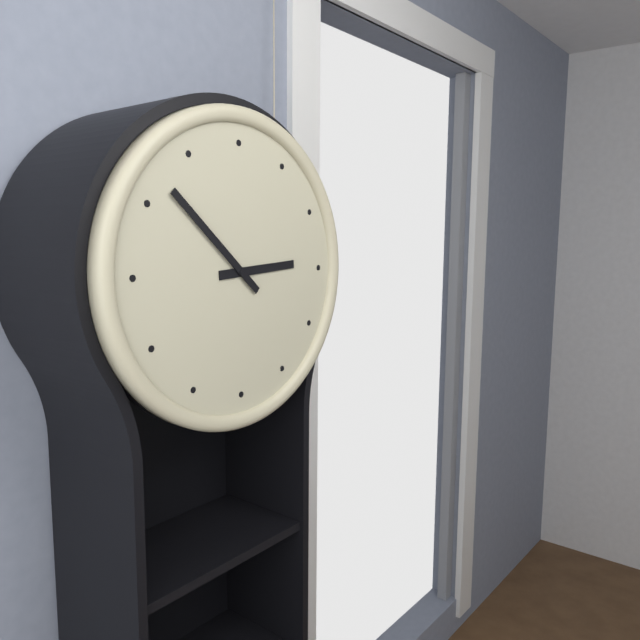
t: h=2 m=52
